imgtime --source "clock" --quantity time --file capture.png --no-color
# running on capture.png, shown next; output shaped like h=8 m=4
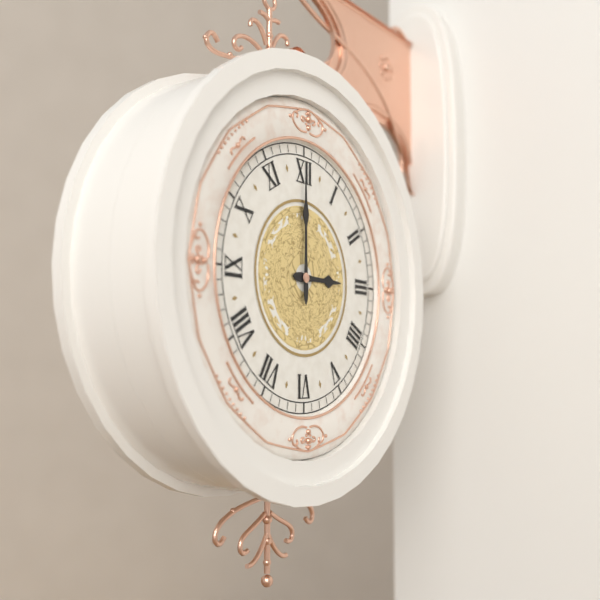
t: h=3 m=0
